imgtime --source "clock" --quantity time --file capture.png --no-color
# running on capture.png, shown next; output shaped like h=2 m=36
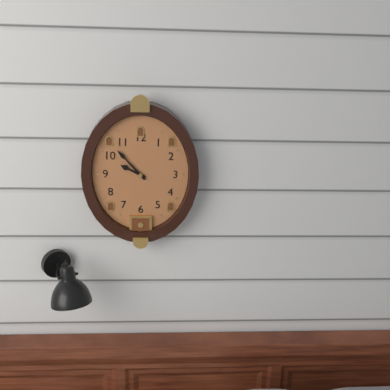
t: h=9 m=53
